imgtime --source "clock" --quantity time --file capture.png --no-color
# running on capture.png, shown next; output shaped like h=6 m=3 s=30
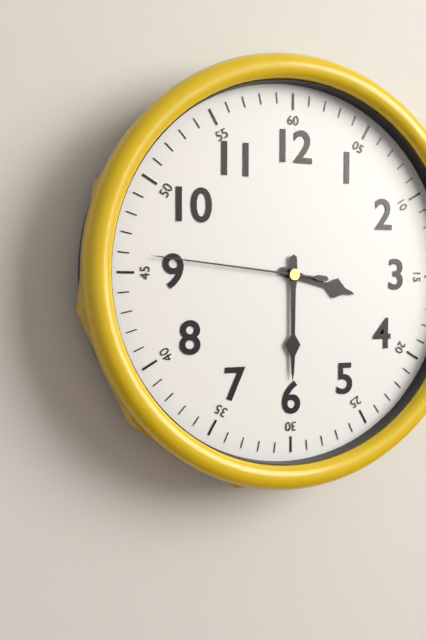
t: h=3 m=30 s=46
